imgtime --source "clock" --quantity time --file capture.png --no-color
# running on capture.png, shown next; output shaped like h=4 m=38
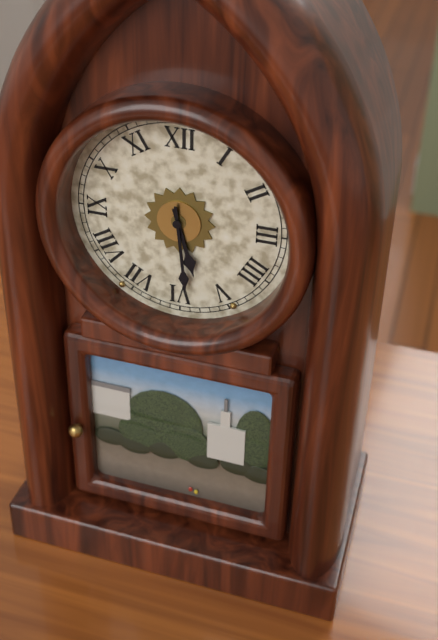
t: h=5 m=29
